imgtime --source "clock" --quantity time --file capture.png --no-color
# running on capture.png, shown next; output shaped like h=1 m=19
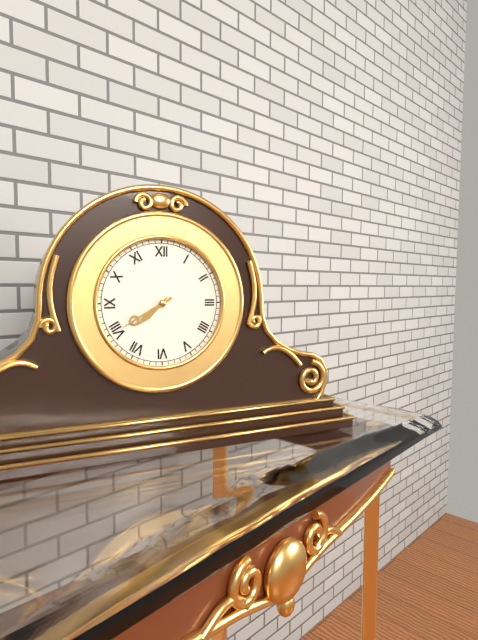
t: h=7 m=40
